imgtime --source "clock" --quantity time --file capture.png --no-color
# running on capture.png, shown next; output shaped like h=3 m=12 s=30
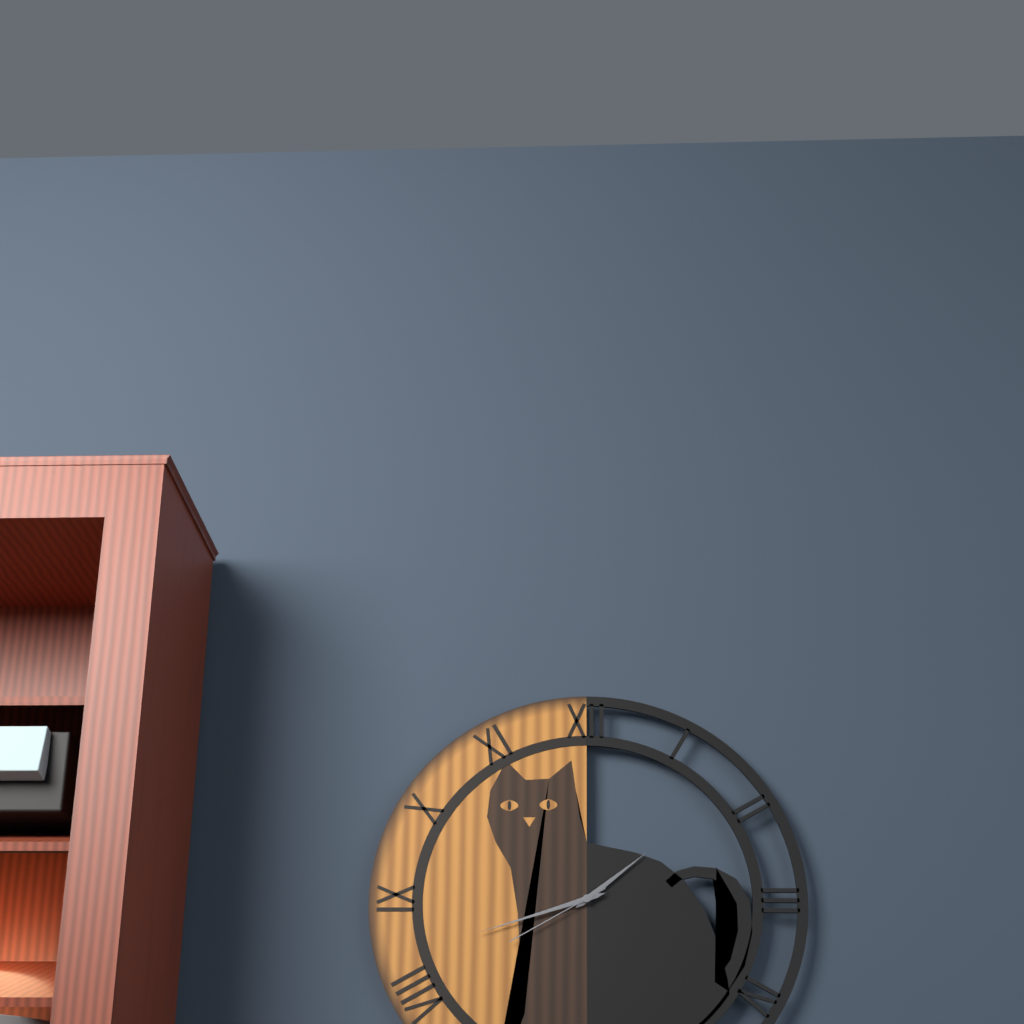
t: h=1 m=42 s=40
